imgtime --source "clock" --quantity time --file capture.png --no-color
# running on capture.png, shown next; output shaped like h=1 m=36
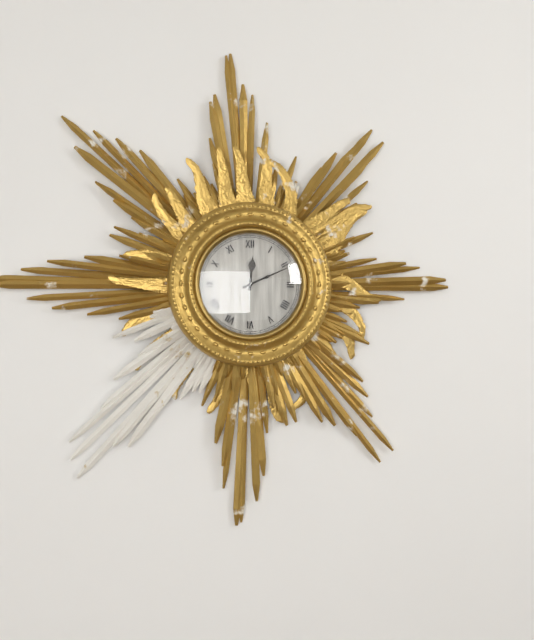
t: h=12 m=11
